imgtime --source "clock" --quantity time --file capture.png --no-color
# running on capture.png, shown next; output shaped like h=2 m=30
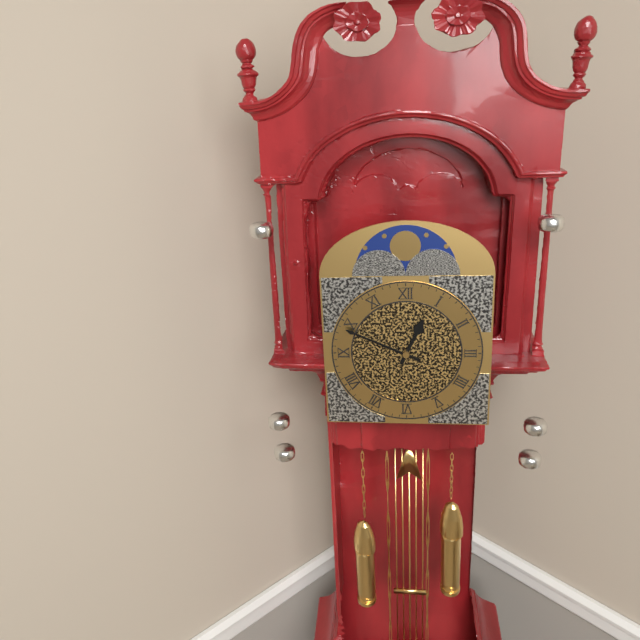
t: h=12 m=49
